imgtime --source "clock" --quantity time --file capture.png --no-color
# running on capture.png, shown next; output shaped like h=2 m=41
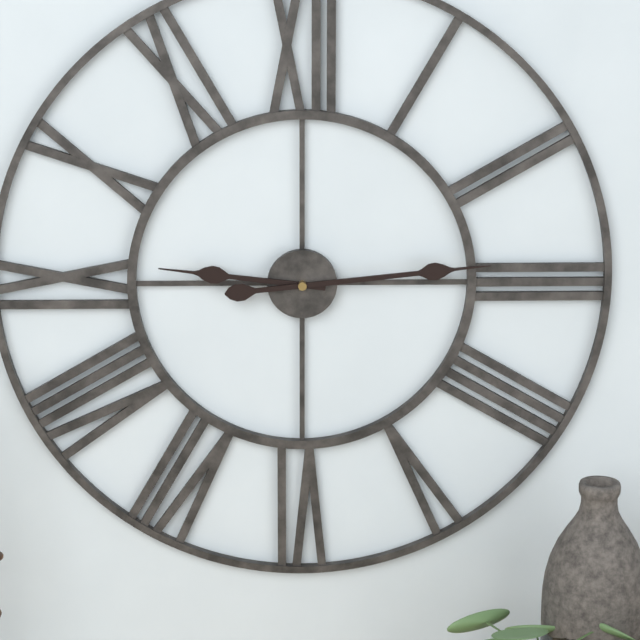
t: h=9 m=14
